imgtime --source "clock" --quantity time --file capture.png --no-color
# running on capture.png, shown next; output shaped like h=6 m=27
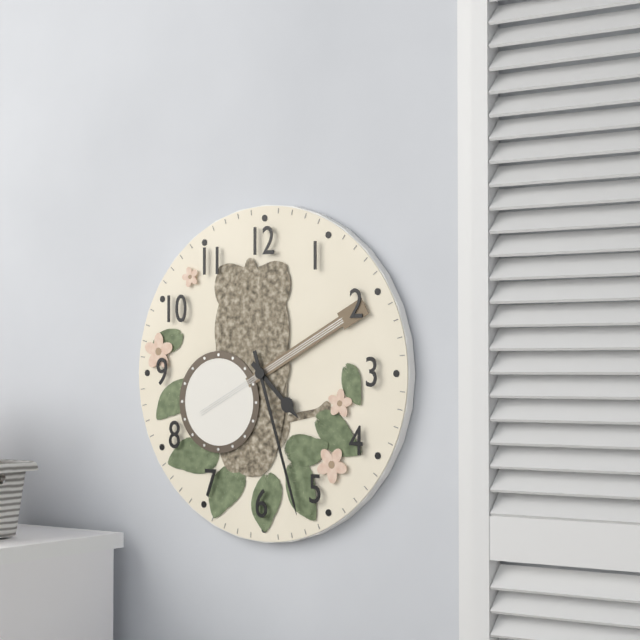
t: h=4 m=27
